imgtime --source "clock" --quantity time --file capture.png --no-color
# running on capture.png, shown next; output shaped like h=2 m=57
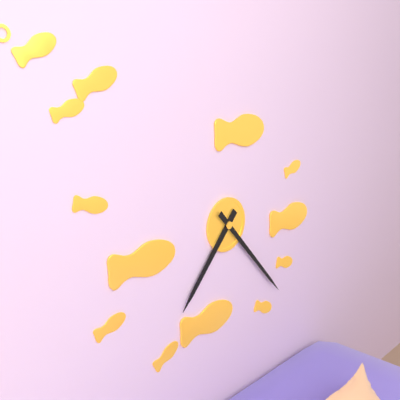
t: h=7 m=23
